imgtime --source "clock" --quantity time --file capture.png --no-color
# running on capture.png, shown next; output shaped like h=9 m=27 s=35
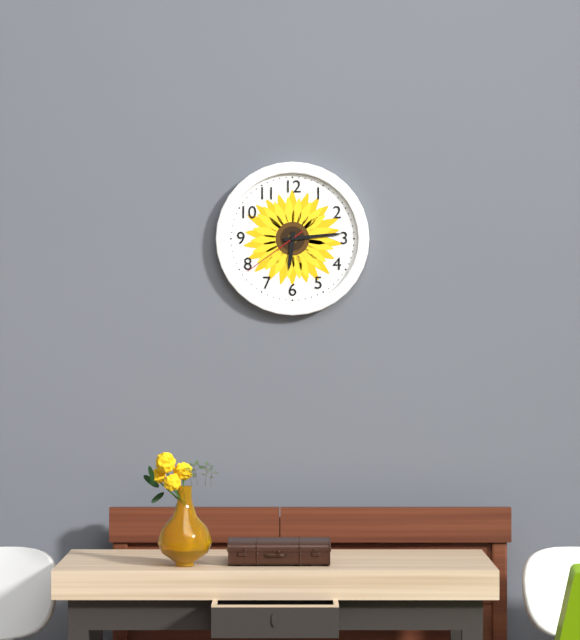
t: h=6 m=14 s=39
